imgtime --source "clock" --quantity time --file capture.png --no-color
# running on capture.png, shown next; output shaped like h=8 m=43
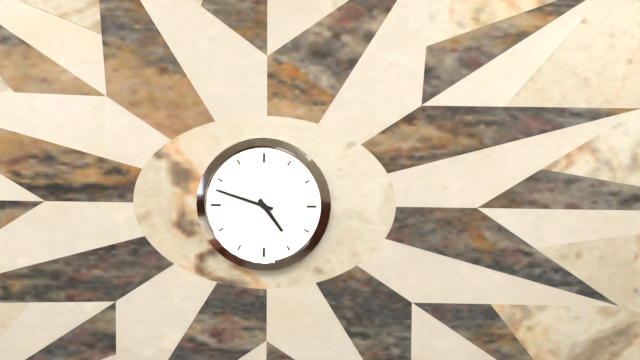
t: h=4 m=48
